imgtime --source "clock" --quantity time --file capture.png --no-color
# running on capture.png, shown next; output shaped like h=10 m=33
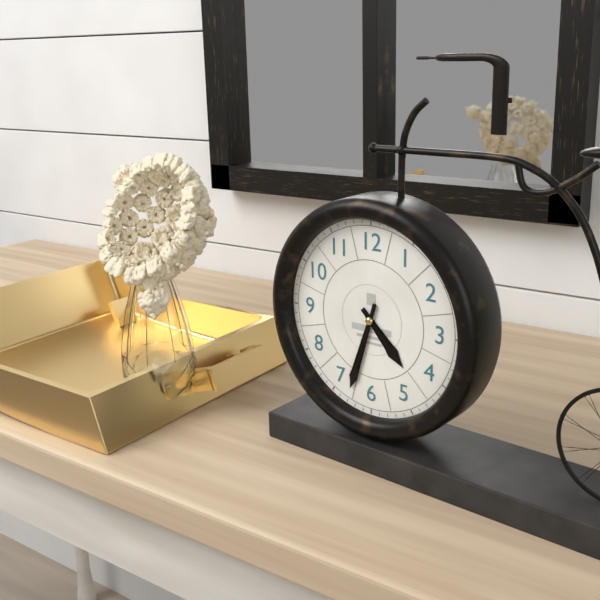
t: h=4 m=33
